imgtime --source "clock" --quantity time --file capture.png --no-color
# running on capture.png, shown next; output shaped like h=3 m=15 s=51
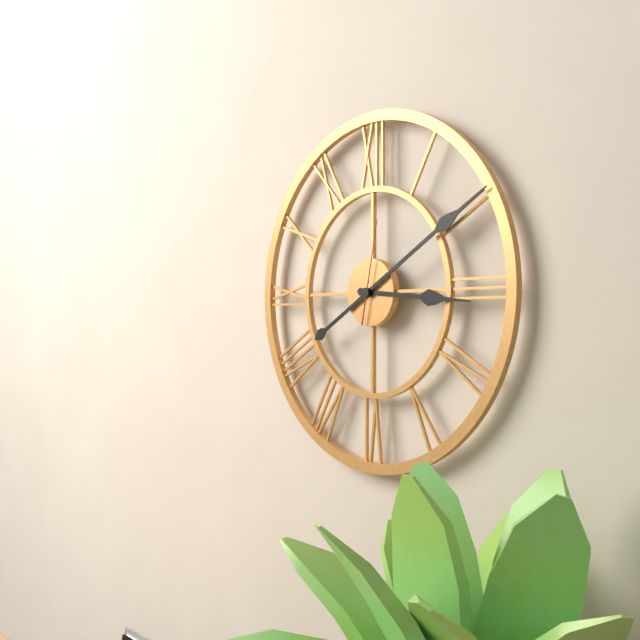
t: h=3 m=10 s=2
